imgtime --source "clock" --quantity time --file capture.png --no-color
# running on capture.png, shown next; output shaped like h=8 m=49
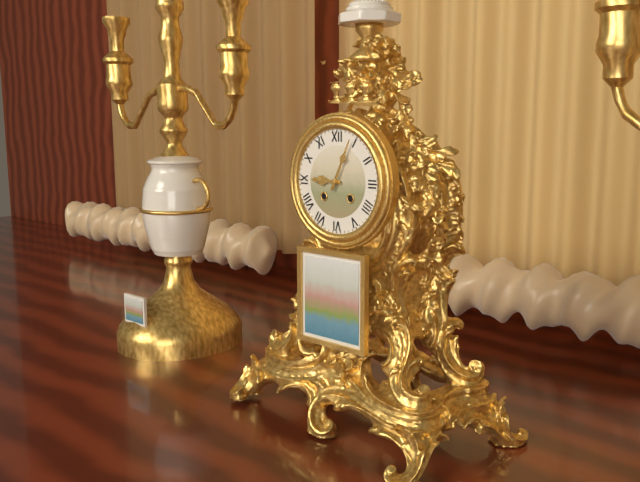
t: h=9 m=4
